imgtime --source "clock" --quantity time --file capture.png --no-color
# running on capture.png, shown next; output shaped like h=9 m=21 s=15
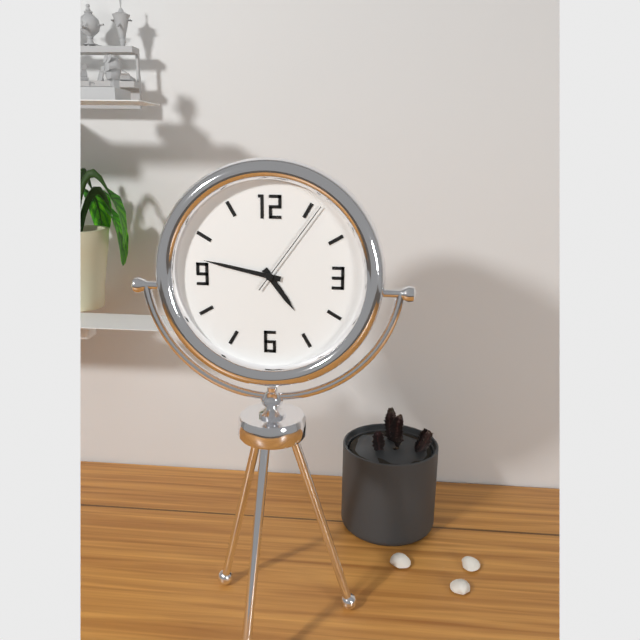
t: h=4 m=47 s=6
